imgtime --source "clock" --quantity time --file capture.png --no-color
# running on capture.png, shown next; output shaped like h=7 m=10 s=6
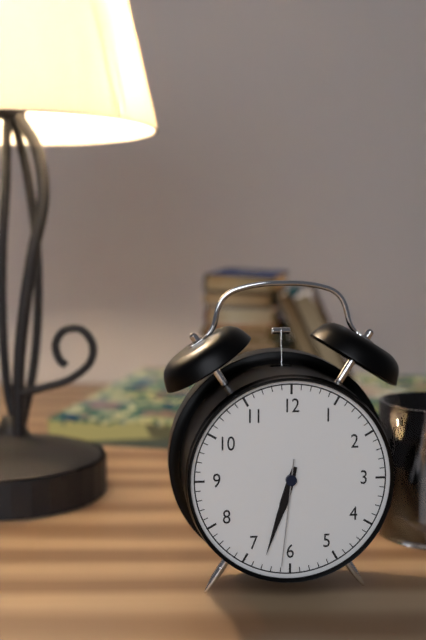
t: h=6 m=33 s=31
